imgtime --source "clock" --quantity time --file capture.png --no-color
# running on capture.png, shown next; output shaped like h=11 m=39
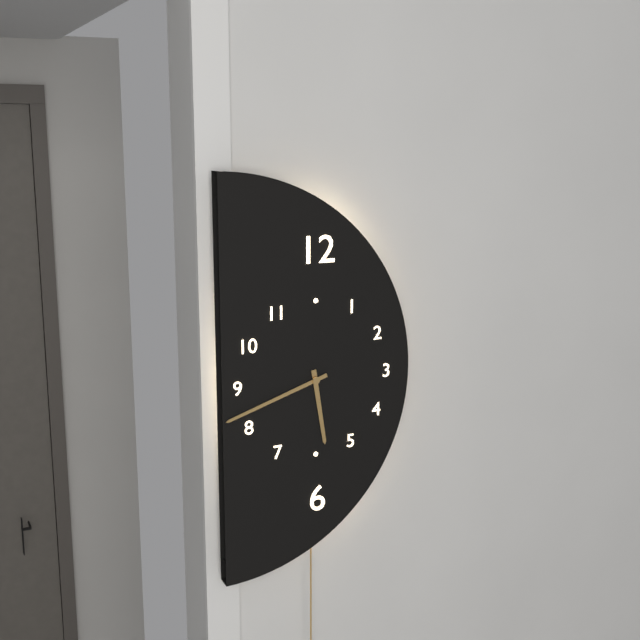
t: h=5 m=42
